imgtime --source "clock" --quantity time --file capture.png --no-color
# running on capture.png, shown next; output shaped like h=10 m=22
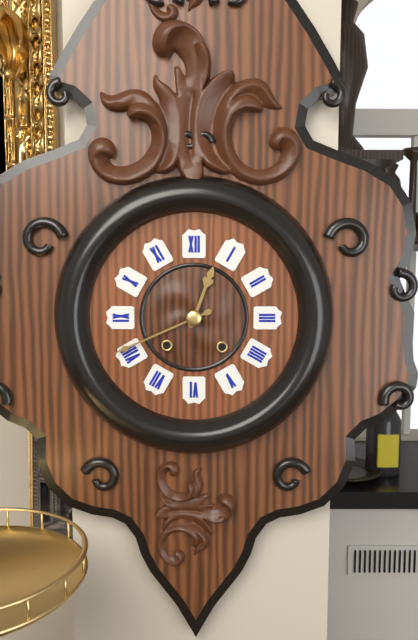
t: h=12 m=41
